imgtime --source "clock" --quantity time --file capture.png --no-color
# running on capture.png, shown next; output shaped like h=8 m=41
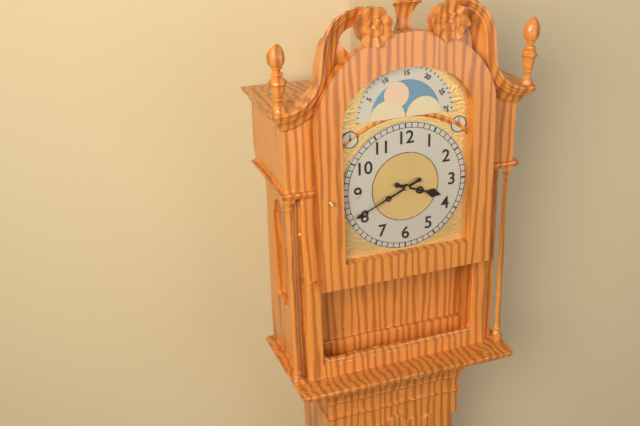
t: h=3 m=41
